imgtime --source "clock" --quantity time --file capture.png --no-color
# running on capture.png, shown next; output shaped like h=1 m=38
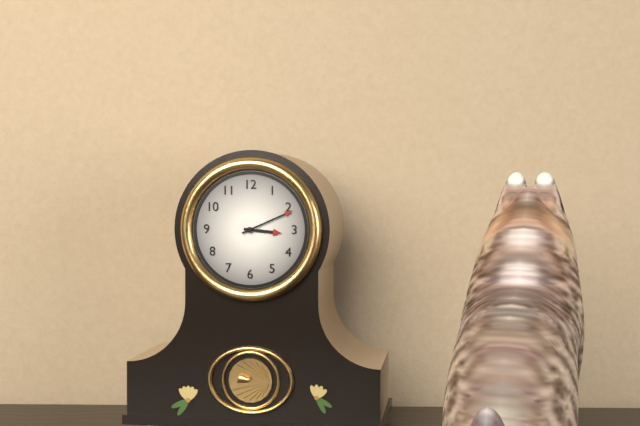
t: h=3 m=11
